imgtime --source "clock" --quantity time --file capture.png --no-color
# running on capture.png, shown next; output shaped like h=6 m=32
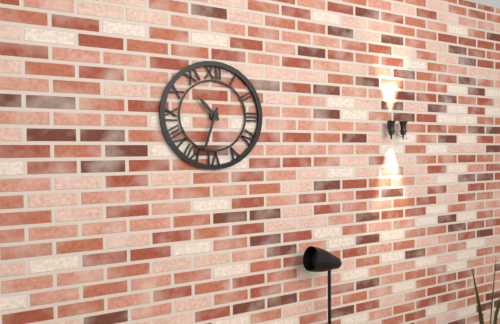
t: h=10 m=33
